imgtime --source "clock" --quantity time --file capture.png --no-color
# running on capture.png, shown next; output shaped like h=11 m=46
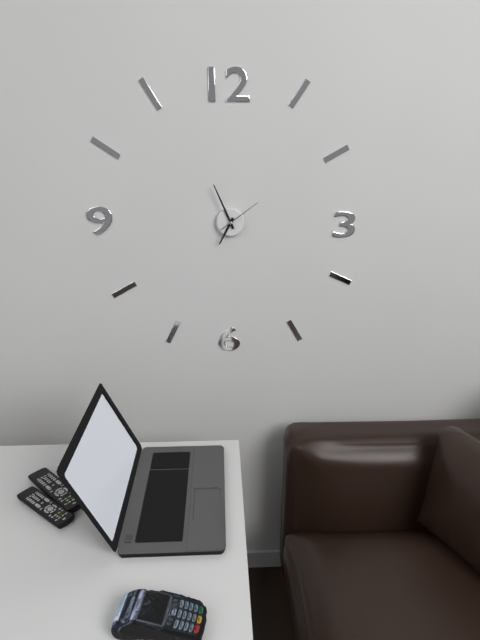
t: h=6 m=56
